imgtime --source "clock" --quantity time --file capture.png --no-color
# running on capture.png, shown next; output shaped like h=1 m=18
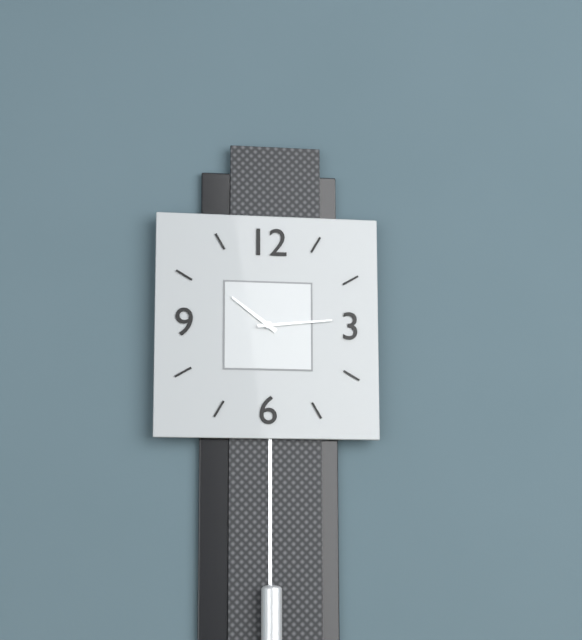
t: h=10 m=14
